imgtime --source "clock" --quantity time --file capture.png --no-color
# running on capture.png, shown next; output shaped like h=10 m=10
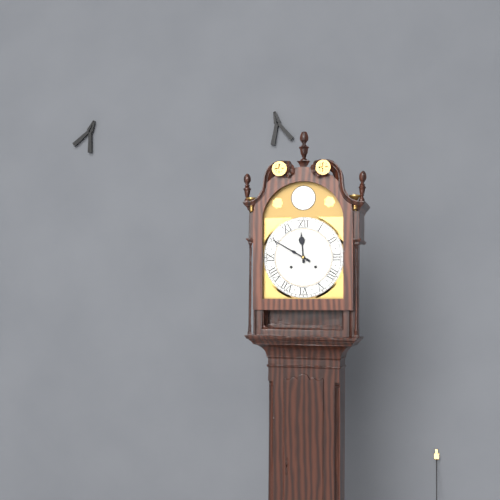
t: h=11 m=50
